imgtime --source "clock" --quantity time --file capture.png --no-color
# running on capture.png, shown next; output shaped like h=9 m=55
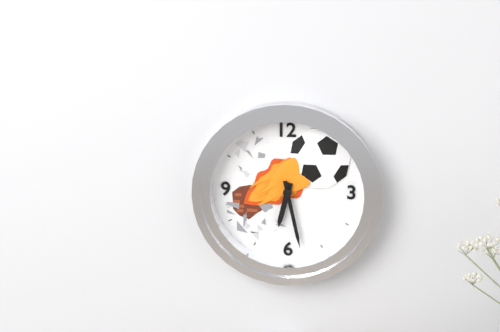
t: h=6 m=28
